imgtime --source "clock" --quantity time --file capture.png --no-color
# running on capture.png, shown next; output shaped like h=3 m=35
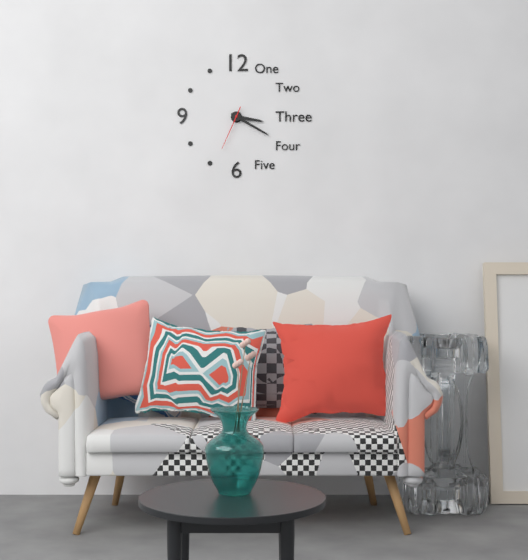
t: h=3 m=20
